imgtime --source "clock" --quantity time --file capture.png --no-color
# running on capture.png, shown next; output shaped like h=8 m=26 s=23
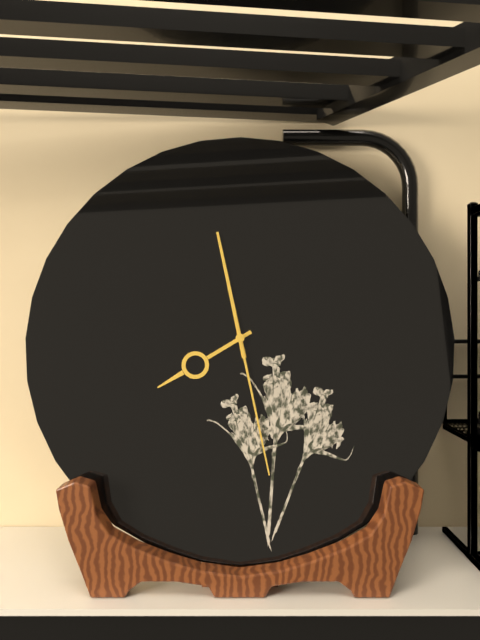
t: h=7 m=58 s=28
